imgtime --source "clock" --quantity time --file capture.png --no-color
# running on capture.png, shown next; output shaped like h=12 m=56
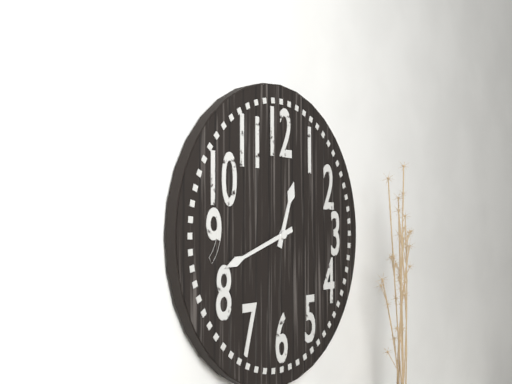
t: h=12 m=42
